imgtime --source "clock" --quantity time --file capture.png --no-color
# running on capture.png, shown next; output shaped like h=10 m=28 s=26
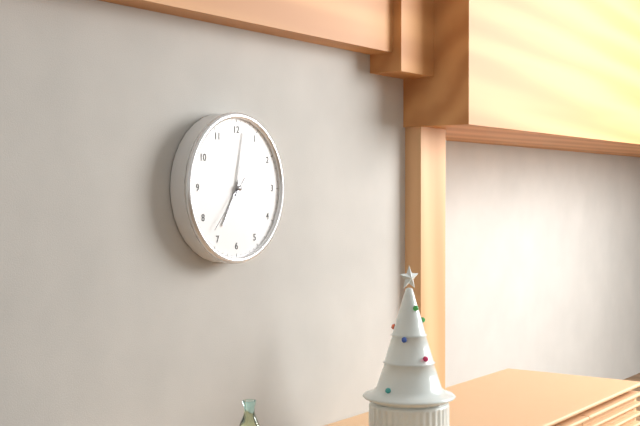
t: h=7 m=2 s=37
